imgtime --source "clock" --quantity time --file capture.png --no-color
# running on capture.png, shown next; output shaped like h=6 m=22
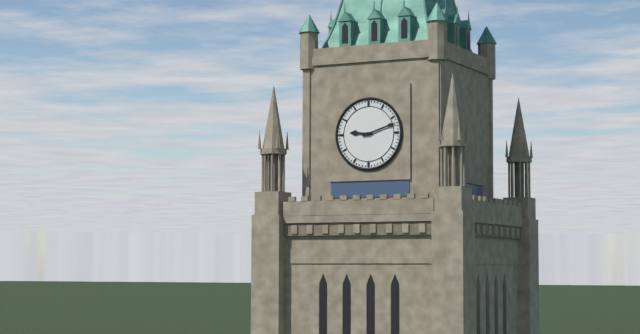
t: h=9 m=12
